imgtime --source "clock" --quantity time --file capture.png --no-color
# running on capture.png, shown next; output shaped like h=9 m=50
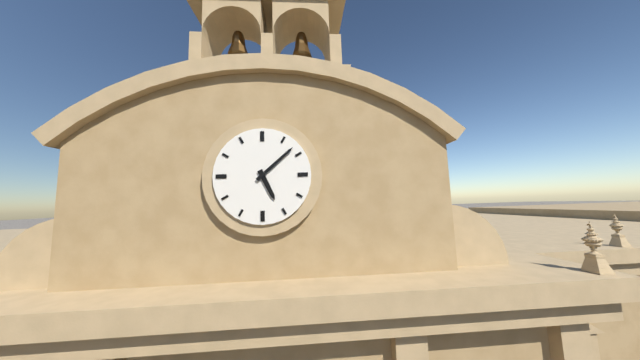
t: h=5 m=8
